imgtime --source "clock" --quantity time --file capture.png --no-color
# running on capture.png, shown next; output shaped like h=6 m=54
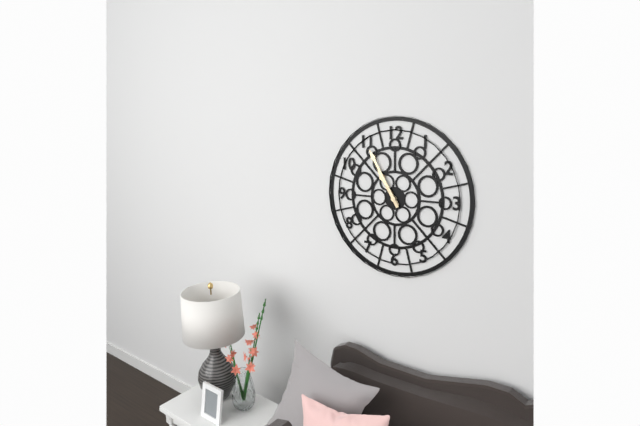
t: h=10 m=55
